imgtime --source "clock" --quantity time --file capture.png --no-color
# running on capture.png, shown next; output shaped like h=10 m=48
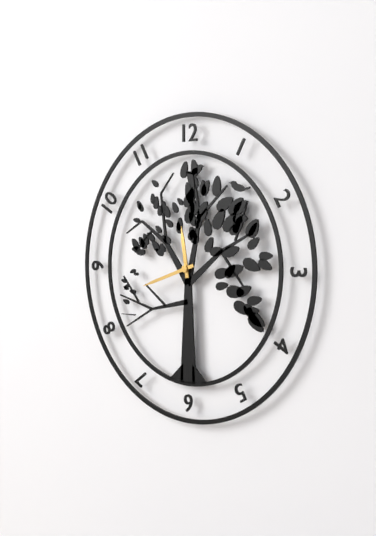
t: h=11 m=42
